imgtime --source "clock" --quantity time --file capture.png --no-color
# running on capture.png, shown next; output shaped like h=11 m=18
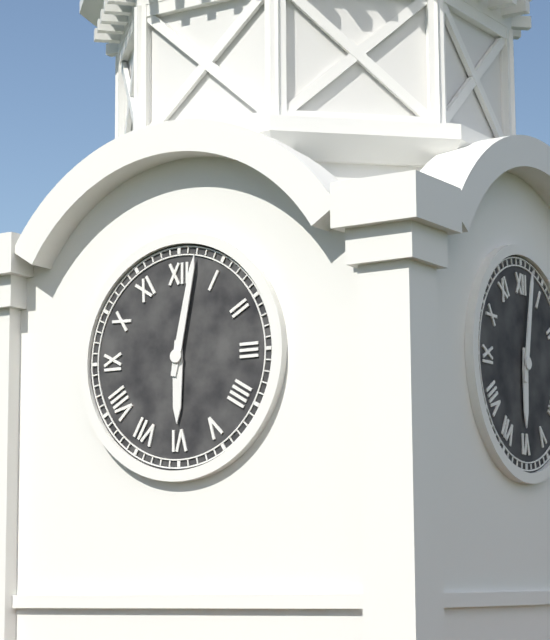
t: h=6 m=2
